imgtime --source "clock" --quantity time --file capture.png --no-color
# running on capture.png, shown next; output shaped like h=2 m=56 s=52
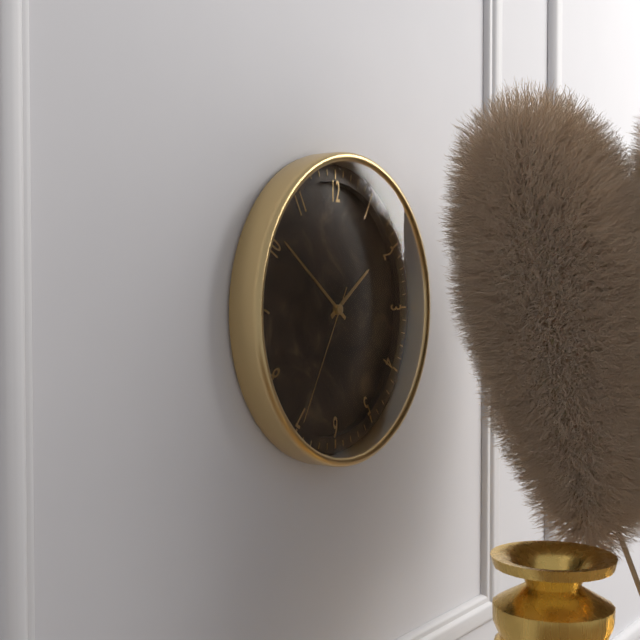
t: h=1 m=51 s=35
